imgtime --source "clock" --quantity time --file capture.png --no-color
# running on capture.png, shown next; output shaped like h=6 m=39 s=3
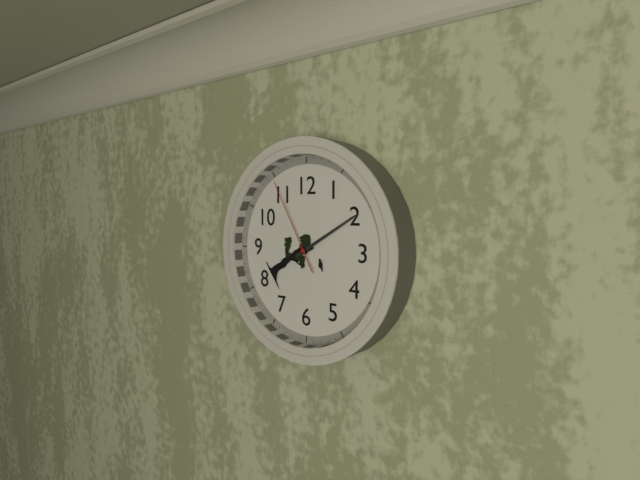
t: h=8 m=10 s=55
